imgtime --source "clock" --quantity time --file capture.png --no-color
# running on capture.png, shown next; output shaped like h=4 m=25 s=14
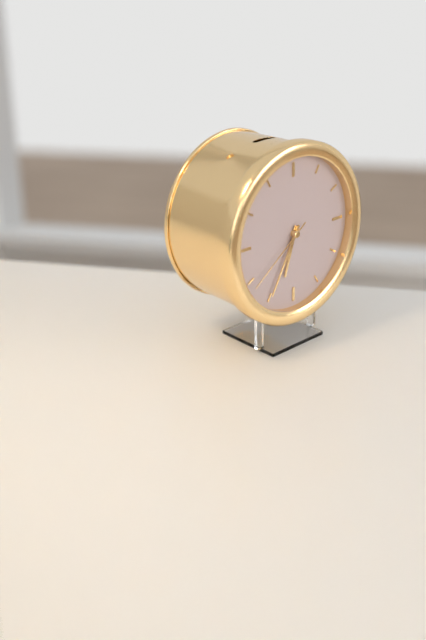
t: h=6 m=35 s=39
